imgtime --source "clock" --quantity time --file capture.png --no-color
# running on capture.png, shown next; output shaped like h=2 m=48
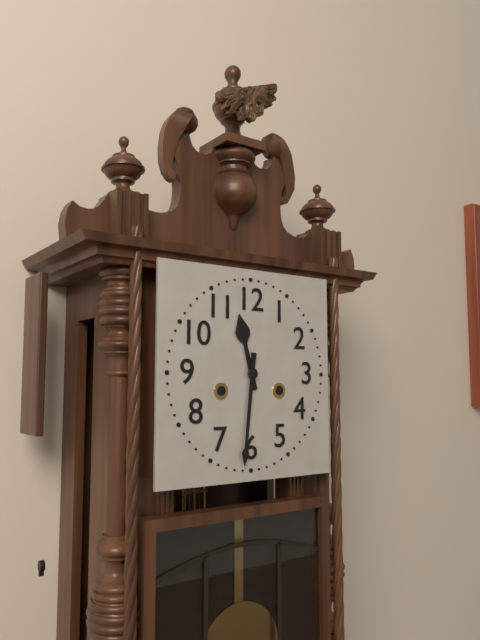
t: h=11 m=31
